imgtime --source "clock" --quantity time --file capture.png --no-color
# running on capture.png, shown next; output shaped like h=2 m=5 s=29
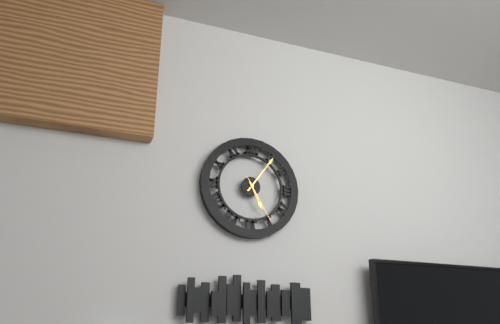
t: h=5 m=6 s=25
